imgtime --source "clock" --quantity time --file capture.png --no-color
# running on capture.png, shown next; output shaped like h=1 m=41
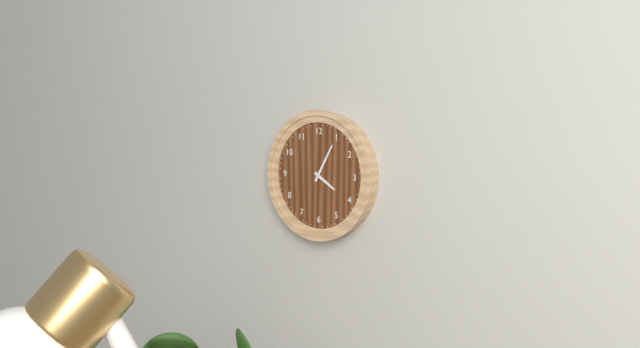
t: h=4 m=5
